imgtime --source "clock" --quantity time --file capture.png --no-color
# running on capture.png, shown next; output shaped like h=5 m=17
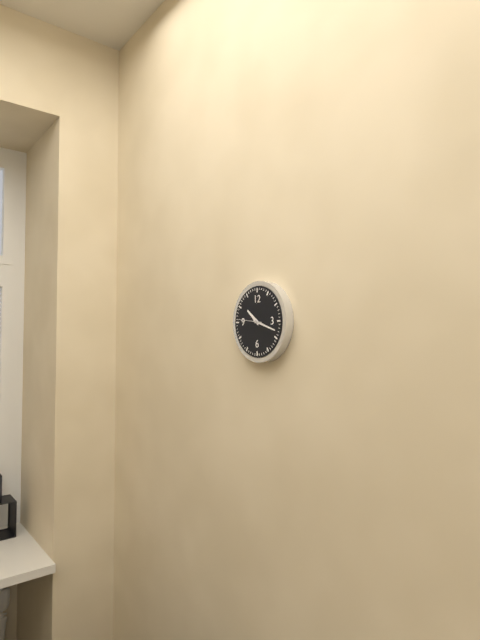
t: h=10 m=18
